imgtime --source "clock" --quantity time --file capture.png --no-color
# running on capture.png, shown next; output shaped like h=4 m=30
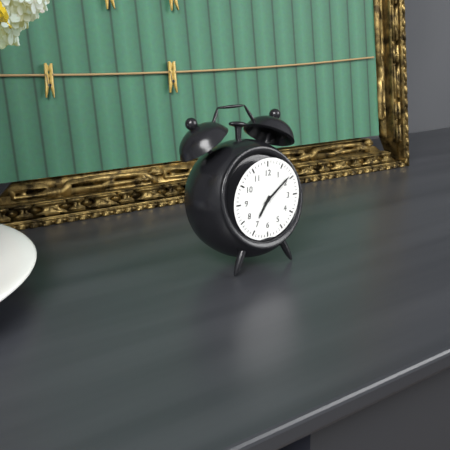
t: h=7 m=9
